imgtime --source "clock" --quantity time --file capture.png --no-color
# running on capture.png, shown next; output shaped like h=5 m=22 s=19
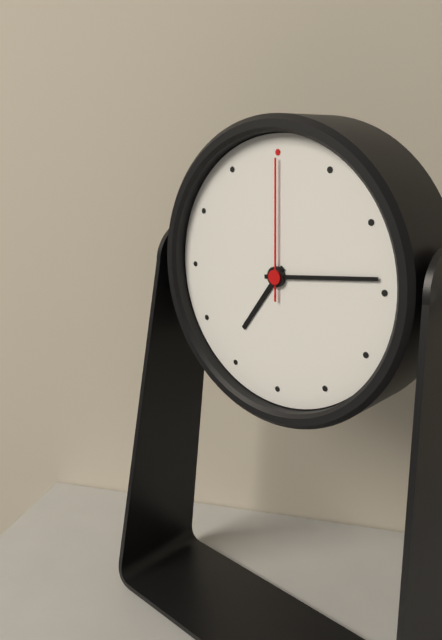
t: h=7 m=14 s=0
